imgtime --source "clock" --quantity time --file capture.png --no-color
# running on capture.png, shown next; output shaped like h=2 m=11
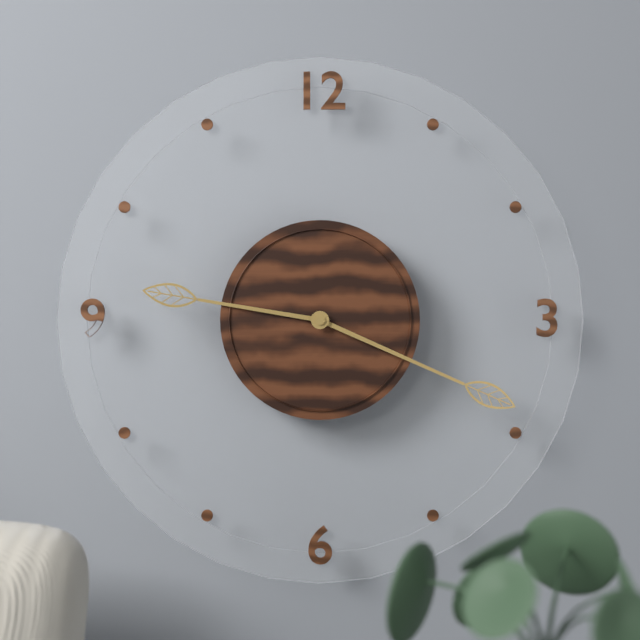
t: h=9 m=19
